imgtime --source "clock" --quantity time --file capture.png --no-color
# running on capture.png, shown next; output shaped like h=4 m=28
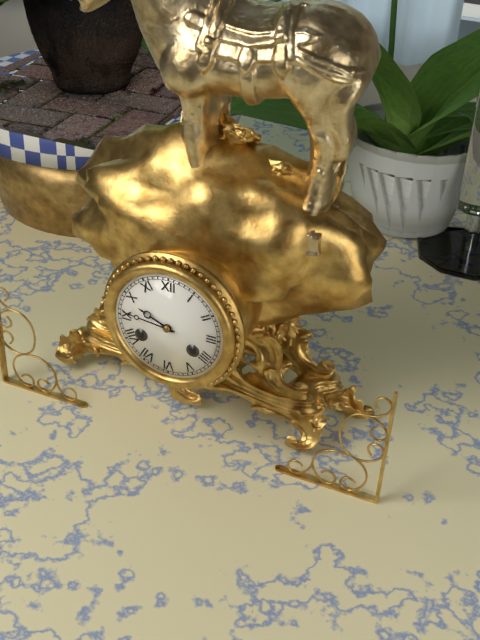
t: h=9 m=46
